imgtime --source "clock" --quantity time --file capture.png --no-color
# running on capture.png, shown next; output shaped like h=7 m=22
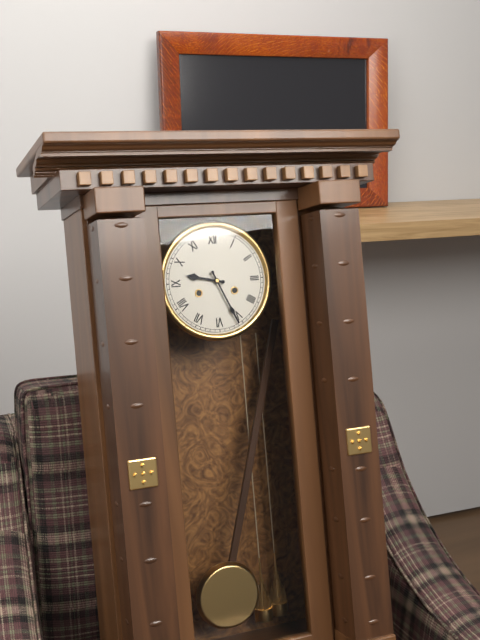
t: h=9 m=26
